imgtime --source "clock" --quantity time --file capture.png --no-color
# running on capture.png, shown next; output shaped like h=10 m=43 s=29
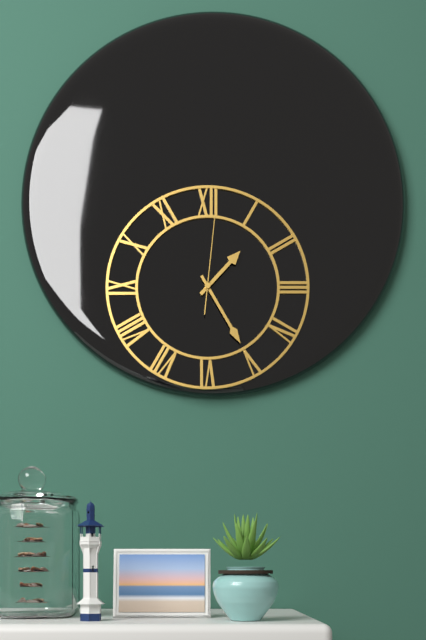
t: h=1 m=25 s=1
